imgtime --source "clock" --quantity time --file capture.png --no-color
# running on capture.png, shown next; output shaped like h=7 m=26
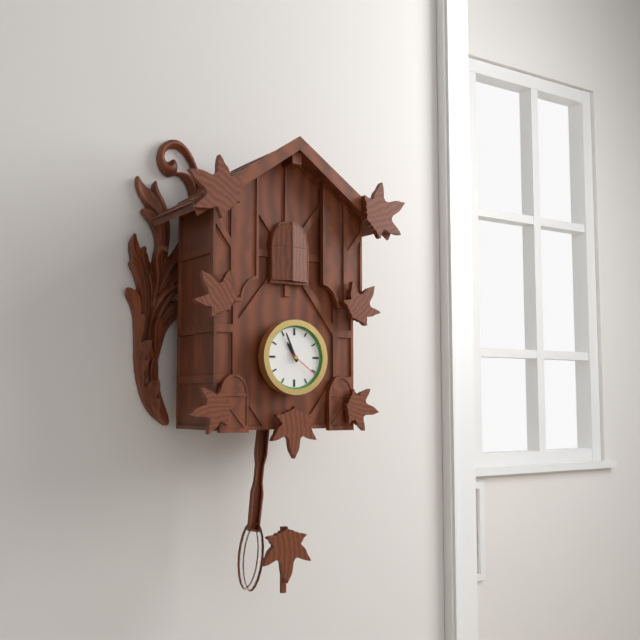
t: h=10 m=56
